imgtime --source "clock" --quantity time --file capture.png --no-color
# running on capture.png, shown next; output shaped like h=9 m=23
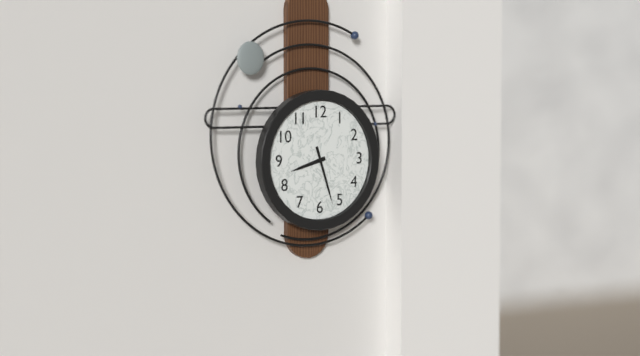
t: h=8 m=27
